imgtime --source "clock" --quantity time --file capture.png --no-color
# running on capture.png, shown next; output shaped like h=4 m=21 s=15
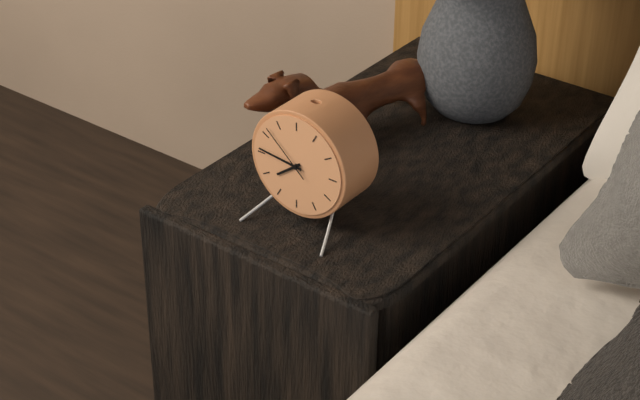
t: h=7 m=46 s=52
